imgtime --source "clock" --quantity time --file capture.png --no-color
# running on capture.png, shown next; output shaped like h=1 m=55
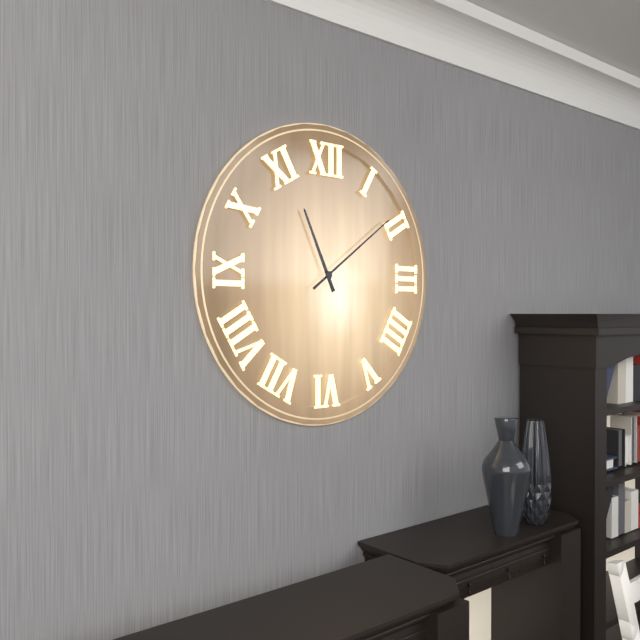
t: h=11 m=9
